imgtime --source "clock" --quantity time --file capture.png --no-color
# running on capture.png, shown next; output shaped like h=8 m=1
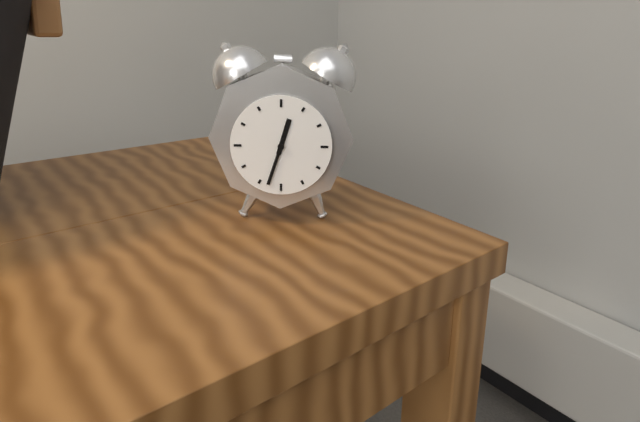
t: h=12 m=33
